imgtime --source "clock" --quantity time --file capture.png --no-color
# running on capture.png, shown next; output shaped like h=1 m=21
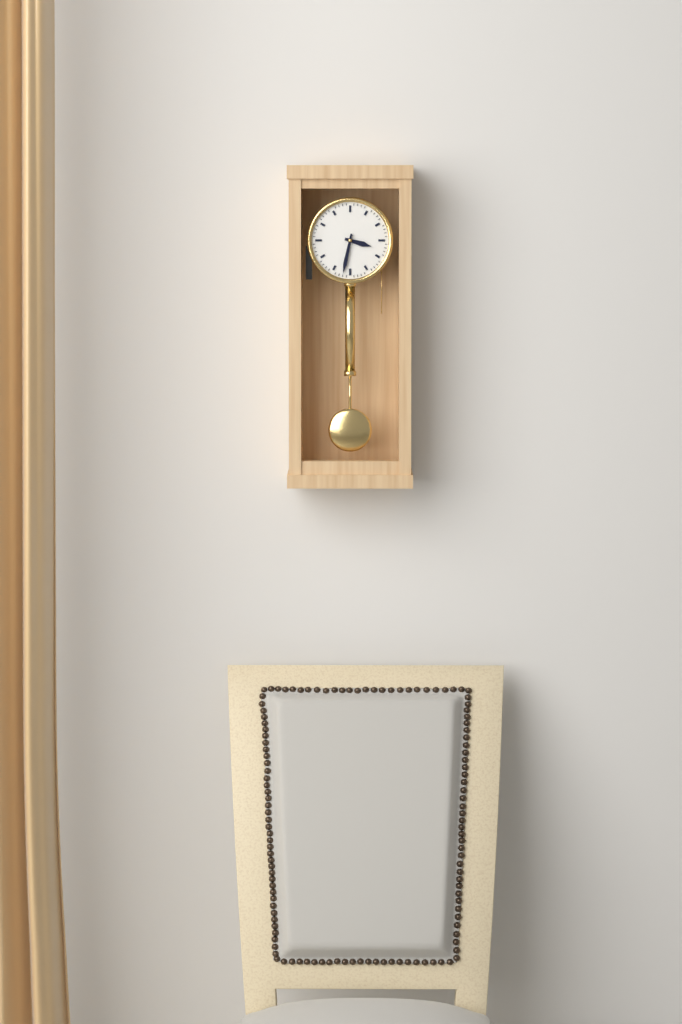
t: h=3 m=32
